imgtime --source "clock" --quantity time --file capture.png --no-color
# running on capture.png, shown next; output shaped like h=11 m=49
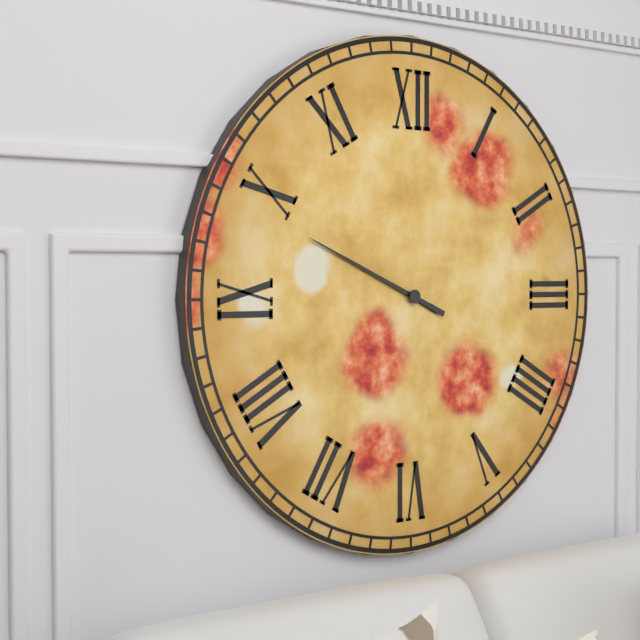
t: h=9 m=49
